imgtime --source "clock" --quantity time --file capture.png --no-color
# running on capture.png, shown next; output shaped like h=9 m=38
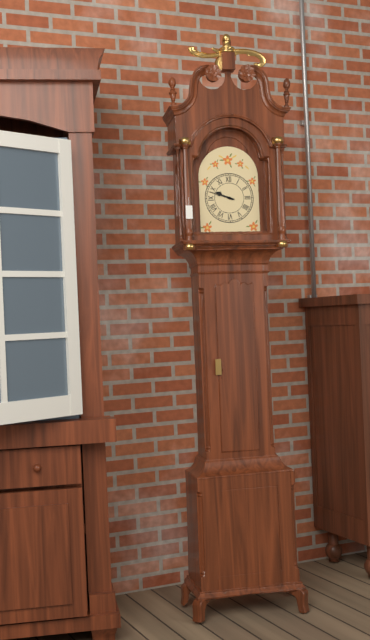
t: h=9 m=48
